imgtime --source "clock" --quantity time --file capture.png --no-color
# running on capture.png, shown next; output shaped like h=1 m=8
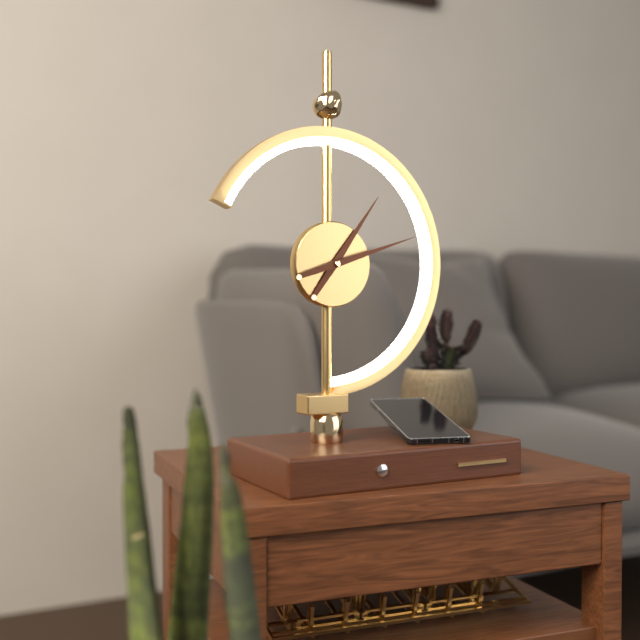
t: h=1 m=12
